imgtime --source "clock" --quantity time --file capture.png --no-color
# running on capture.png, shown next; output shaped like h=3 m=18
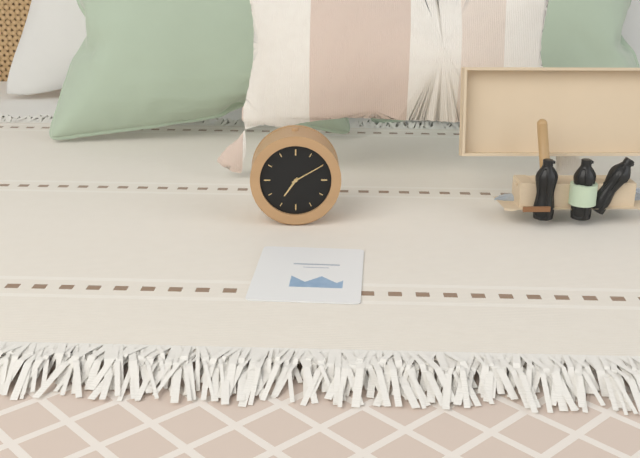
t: h=7 m=10
